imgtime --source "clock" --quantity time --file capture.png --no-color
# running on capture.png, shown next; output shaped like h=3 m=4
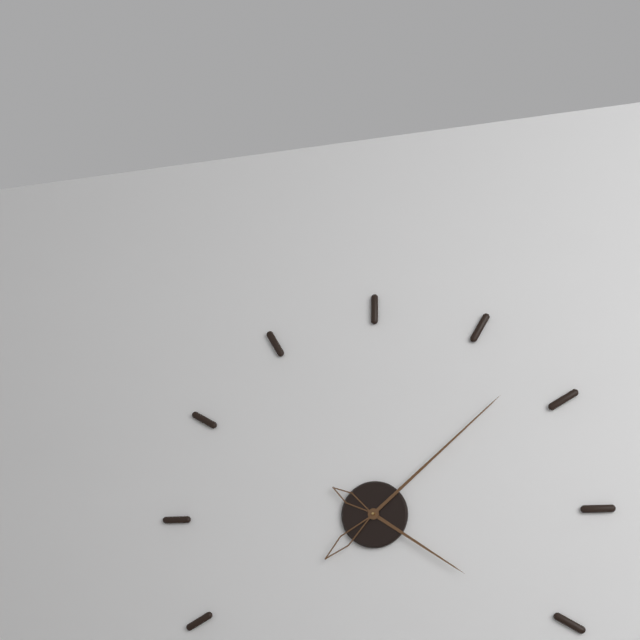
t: h=4 m=8
